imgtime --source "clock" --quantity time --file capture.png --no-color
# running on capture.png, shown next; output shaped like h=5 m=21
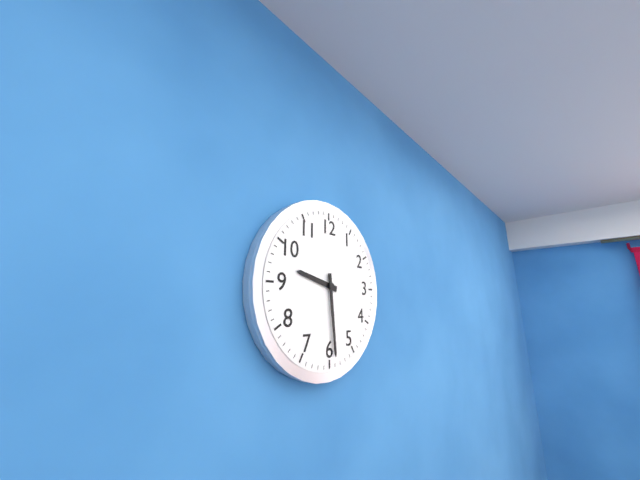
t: h=9 m=29
